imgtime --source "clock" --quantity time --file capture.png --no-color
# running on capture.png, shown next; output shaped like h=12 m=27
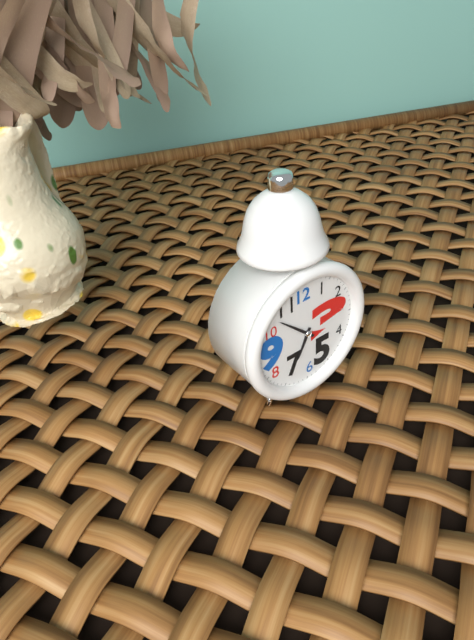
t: h=6 m=52
